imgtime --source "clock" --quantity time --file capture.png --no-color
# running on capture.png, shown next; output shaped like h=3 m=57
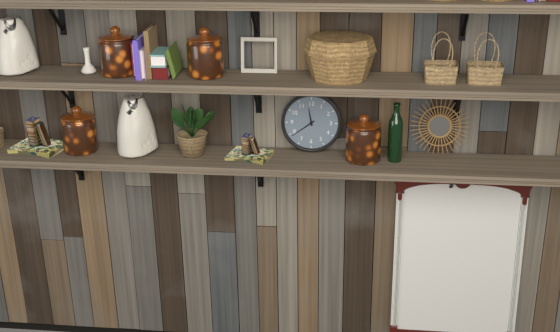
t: h=11 m=39
